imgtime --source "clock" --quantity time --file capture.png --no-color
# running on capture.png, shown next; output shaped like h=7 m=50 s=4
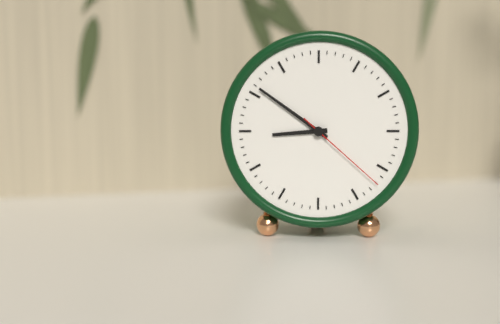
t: h=8 m=51 s=22
